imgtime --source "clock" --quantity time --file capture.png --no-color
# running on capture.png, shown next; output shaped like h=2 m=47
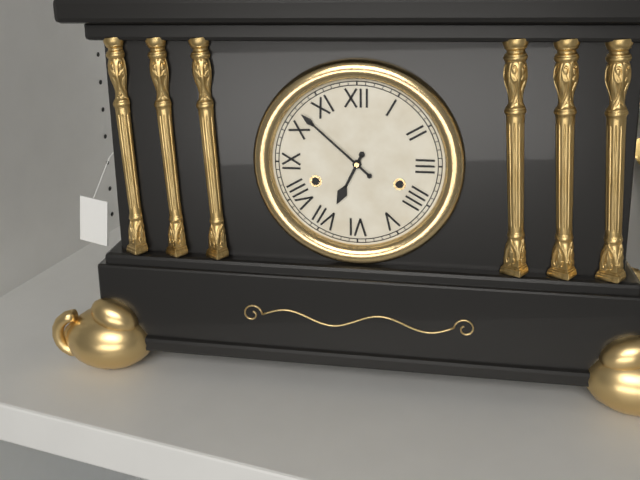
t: h=6 m=52
